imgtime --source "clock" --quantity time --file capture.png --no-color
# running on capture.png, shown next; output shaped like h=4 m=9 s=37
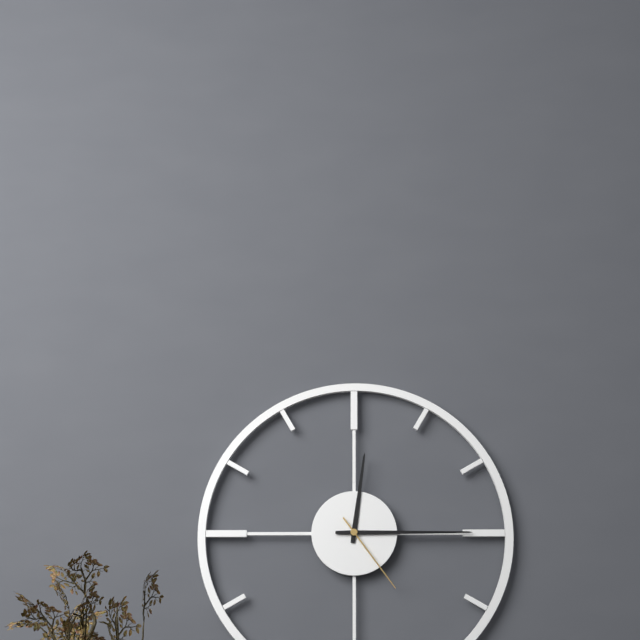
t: h=12 m=15 s=24
